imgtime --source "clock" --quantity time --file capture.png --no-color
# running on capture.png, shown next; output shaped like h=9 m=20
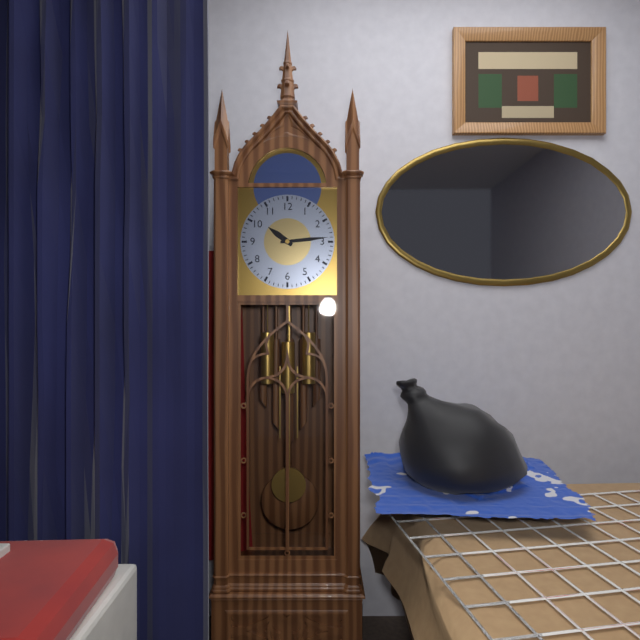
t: h=10 m=14
